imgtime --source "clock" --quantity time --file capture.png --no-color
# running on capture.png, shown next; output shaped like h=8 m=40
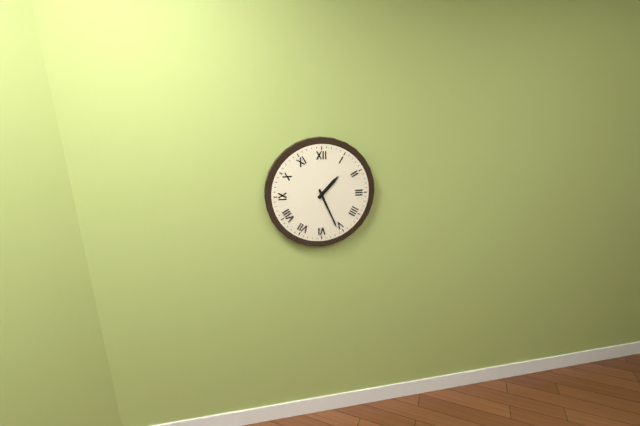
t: h=1 m=26
